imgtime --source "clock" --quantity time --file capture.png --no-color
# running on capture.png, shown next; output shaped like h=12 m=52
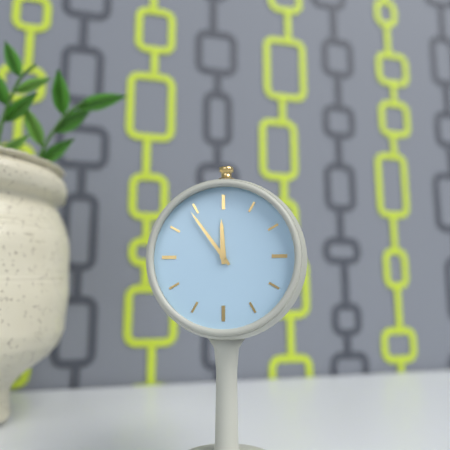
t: h=11 m=54
